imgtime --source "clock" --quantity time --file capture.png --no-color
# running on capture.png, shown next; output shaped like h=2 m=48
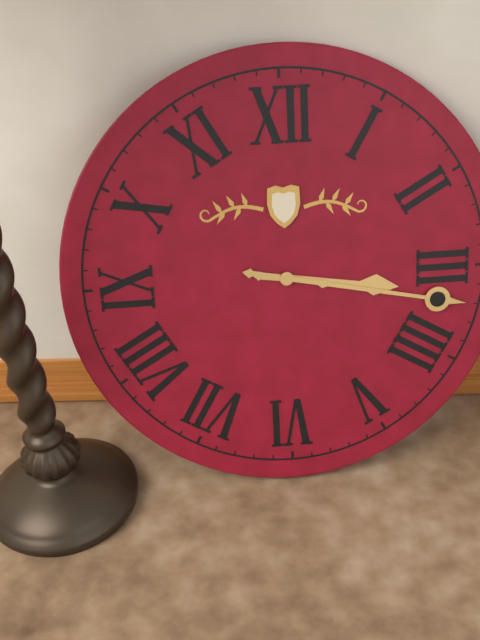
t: h=3 m=17
